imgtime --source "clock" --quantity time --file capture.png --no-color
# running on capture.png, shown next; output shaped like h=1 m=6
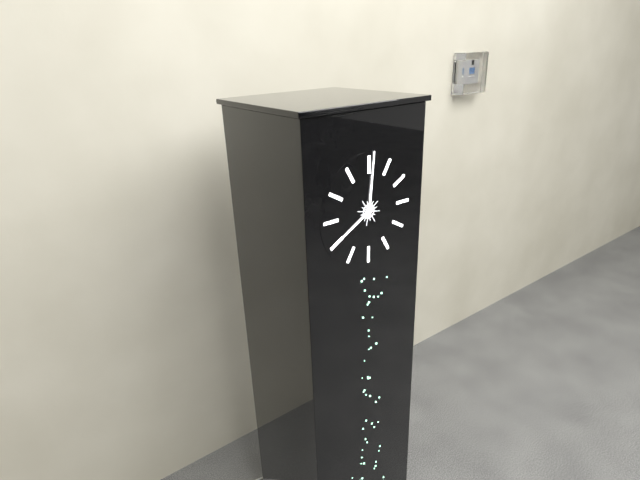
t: h=8 m=1
